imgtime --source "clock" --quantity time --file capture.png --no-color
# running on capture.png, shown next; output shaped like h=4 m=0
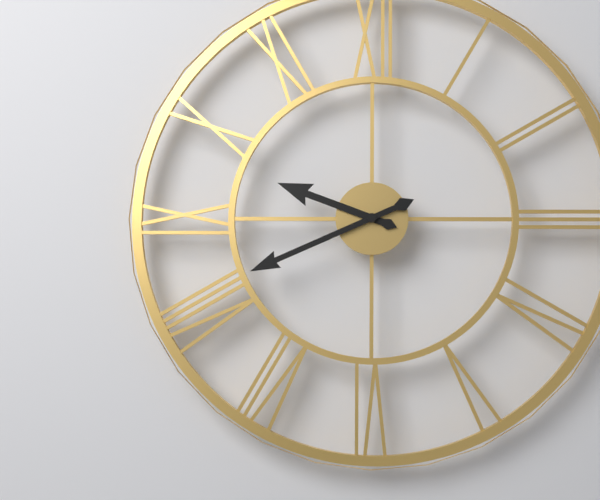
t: h=9 m=41
